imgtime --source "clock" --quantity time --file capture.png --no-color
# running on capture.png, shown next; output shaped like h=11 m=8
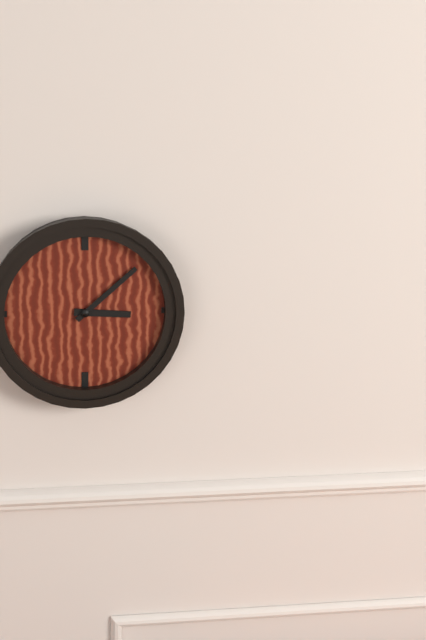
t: h=3 m=8
